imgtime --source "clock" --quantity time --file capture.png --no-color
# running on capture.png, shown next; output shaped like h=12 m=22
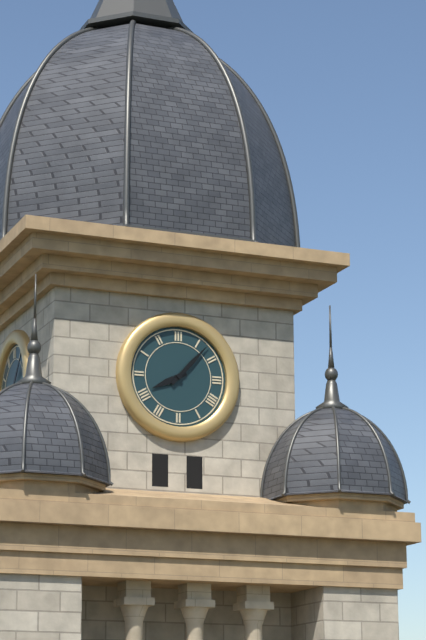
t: h=8 m=7
